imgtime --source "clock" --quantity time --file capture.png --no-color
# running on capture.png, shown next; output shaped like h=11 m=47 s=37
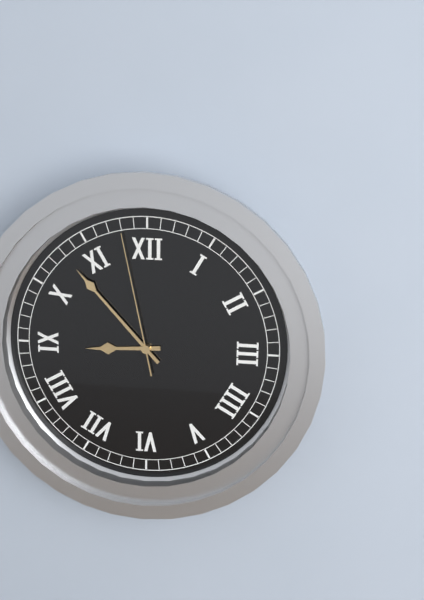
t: h=8 m=53 s=58
